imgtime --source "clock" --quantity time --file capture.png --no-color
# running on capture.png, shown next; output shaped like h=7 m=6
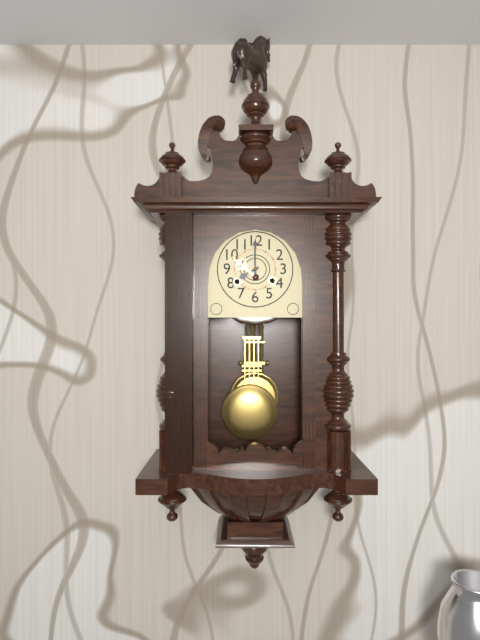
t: h=8 m=0
